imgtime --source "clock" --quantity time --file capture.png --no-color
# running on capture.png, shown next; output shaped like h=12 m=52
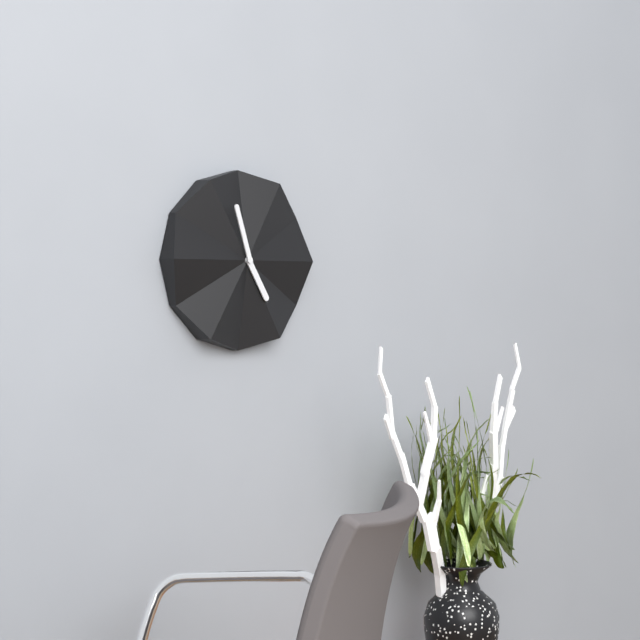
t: h=4 m=57
